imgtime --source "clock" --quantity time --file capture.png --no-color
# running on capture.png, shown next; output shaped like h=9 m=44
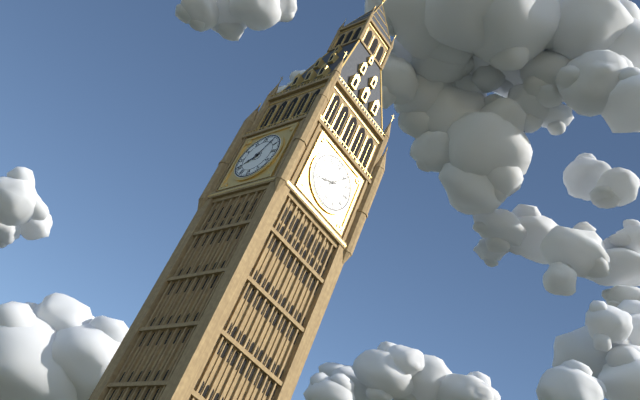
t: h=8 m=6
